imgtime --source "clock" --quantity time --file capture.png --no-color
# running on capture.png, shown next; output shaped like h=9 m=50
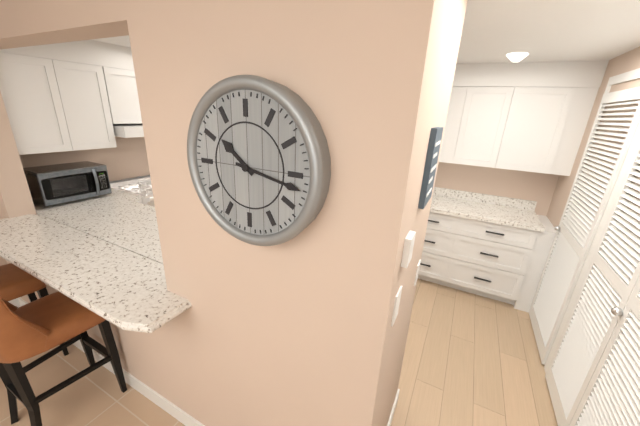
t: h=10 m=17
